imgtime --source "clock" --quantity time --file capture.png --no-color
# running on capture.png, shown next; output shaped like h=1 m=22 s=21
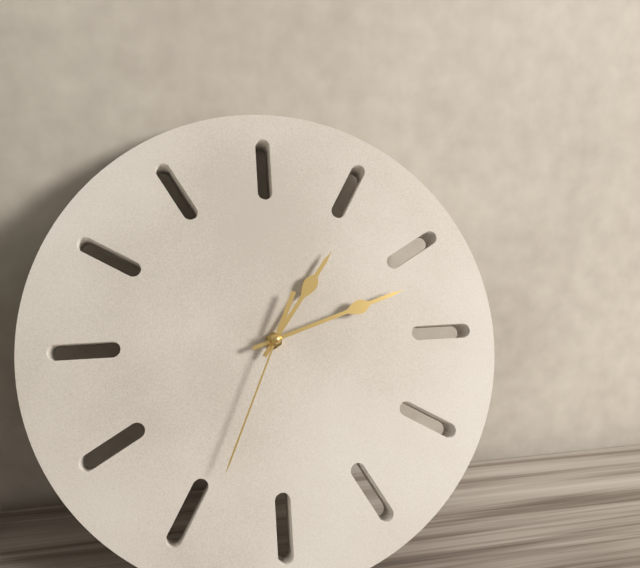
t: h=1 m=12 s=34
